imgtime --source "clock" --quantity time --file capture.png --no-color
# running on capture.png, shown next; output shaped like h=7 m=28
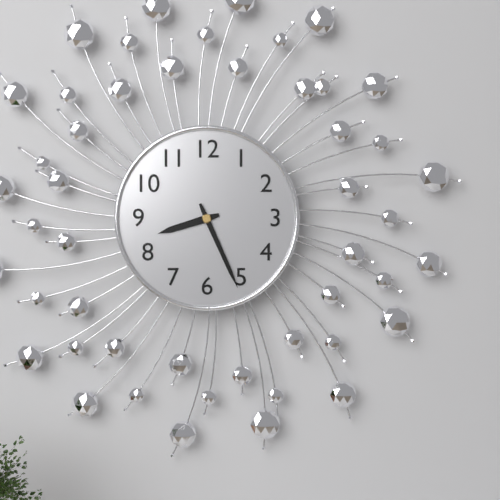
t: h=8 m=26
